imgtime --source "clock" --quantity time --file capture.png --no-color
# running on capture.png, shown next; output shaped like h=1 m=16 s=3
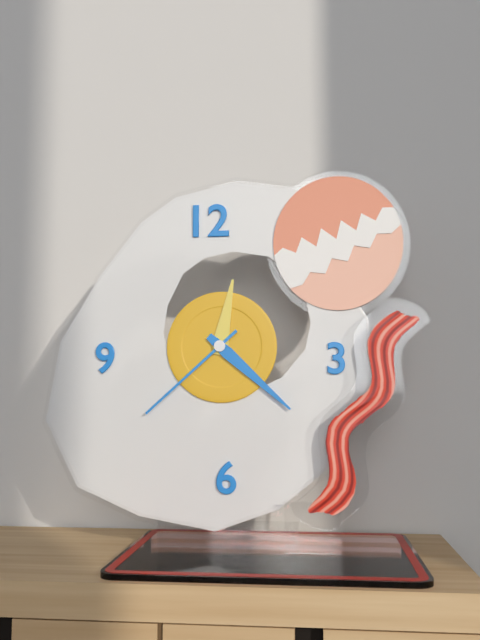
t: h=12 m=22 s=38
